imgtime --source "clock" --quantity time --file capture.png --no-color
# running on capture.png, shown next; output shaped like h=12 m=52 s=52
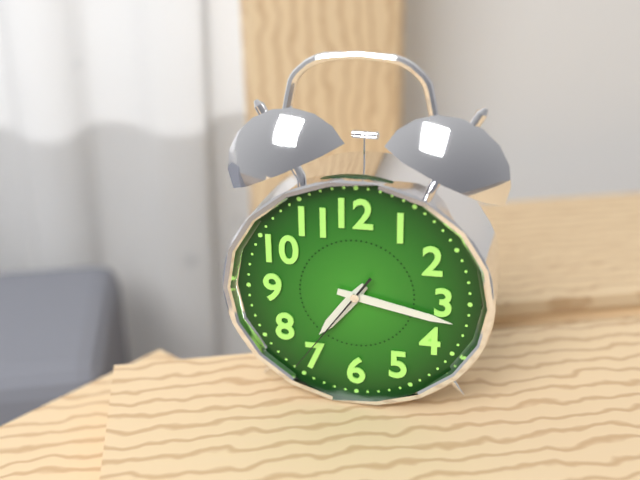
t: h=7 m=17 s=36
